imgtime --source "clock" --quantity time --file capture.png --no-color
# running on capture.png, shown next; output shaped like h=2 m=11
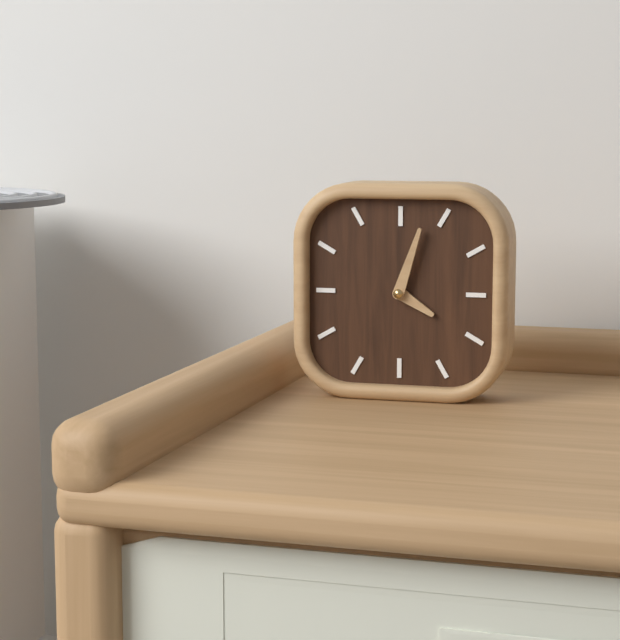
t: h=4 m=3
